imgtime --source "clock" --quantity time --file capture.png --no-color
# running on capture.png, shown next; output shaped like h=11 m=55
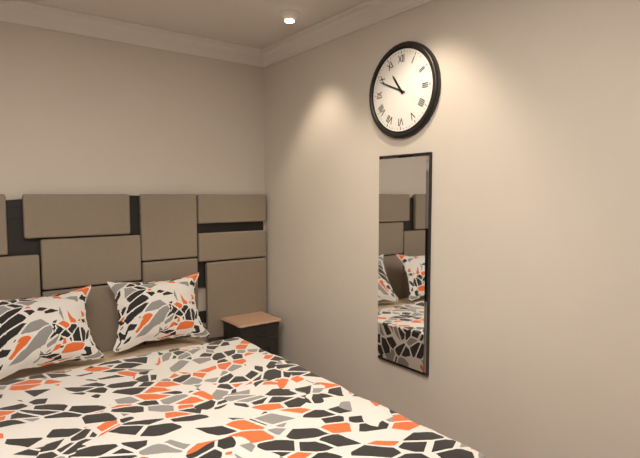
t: h=10 m=49
